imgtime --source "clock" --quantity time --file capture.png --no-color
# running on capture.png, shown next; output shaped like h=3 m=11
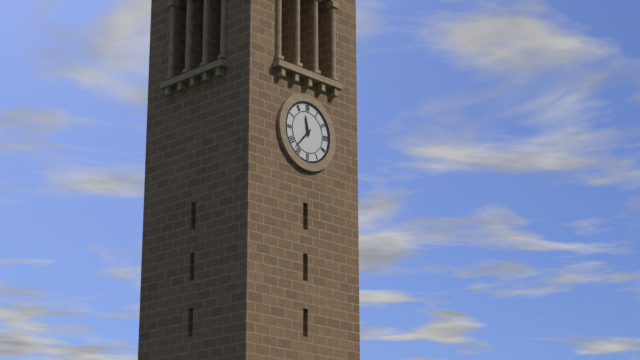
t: h=11 m=37
